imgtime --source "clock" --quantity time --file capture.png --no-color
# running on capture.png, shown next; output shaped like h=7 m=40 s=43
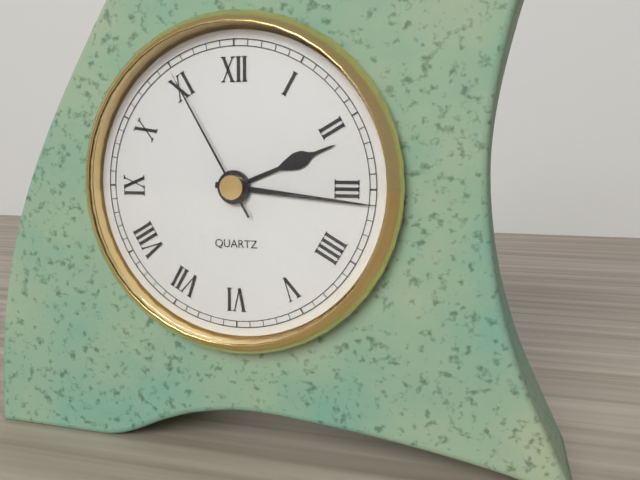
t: h=2 m=16 s=55
